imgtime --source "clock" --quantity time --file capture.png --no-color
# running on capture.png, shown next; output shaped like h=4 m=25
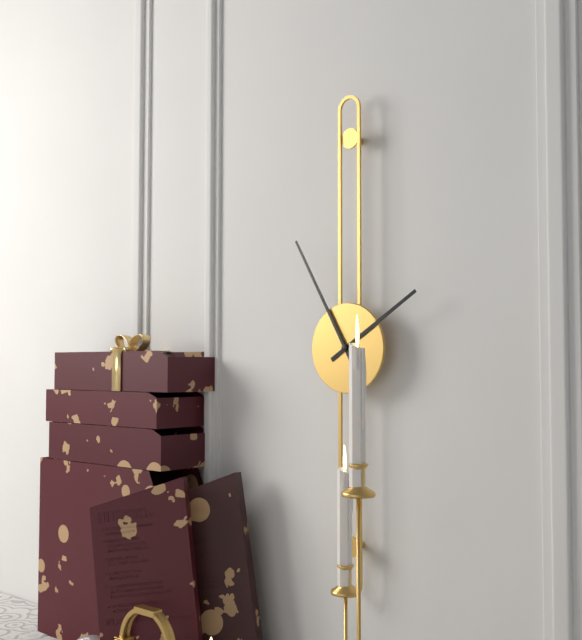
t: h=1 m=55
